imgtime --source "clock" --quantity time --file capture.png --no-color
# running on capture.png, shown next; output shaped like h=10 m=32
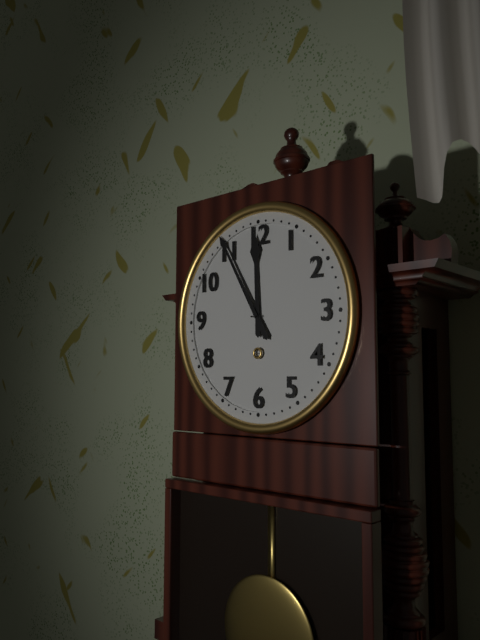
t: h=11 m=55
